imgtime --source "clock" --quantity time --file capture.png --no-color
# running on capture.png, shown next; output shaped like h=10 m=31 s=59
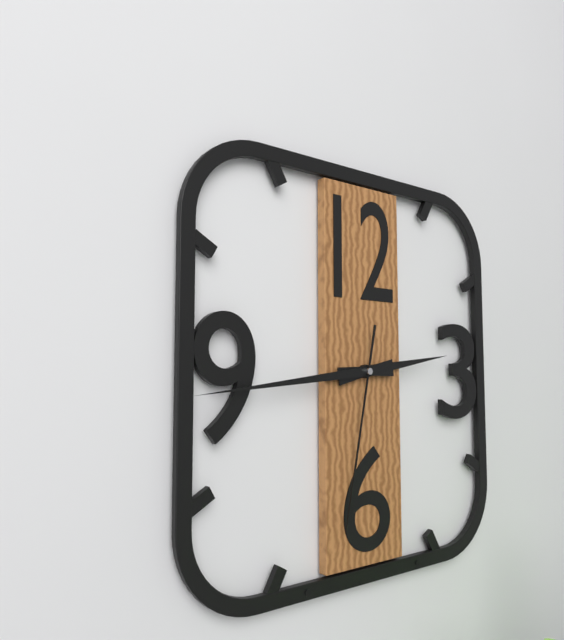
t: h=2 m=44 s=32
